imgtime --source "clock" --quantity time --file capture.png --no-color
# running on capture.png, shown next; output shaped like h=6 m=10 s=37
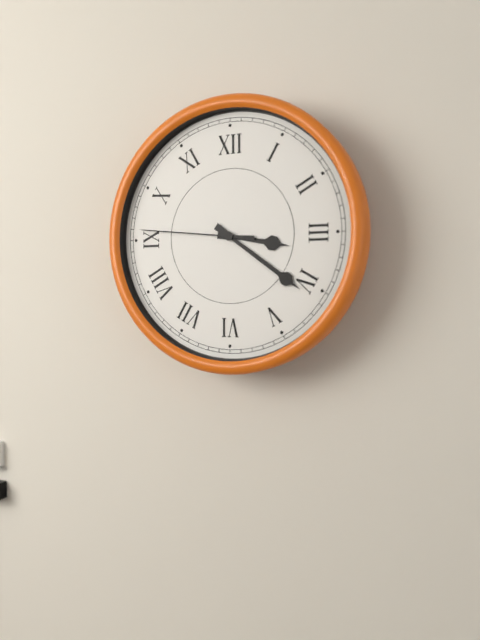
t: h=3 m=21 s=46
